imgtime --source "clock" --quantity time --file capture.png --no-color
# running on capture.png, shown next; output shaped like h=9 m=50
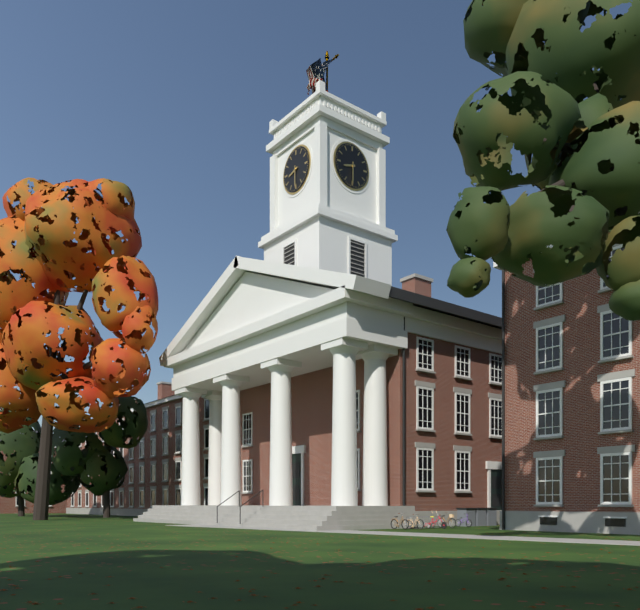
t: h=8 m=30
